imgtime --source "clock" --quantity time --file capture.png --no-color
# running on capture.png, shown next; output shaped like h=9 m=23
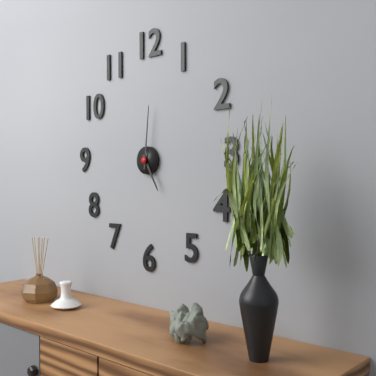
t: h=5 m=1
